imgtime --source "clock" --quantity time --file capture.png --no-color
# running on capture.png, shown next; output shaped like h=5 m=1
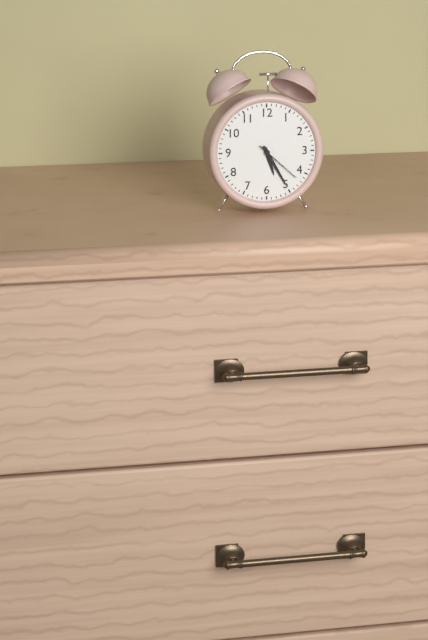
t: h=5 m=25
